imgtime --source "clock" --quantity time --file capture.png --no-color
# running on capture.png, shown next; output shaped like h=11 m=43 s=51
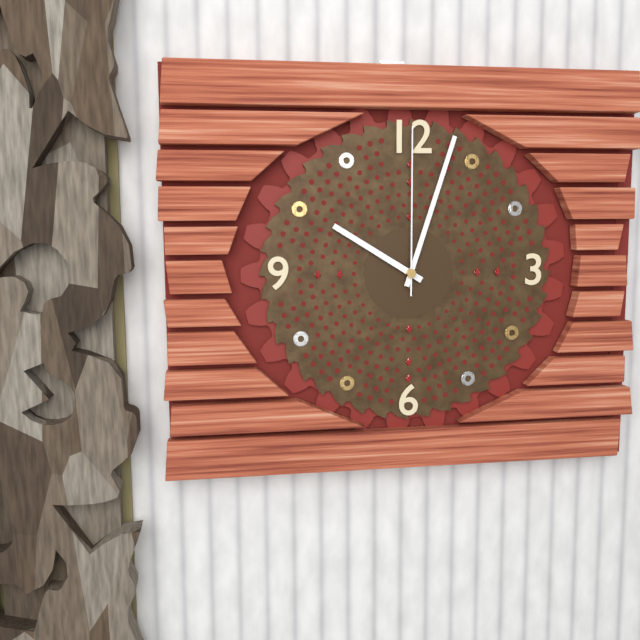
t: h=10 m=3 s=0
